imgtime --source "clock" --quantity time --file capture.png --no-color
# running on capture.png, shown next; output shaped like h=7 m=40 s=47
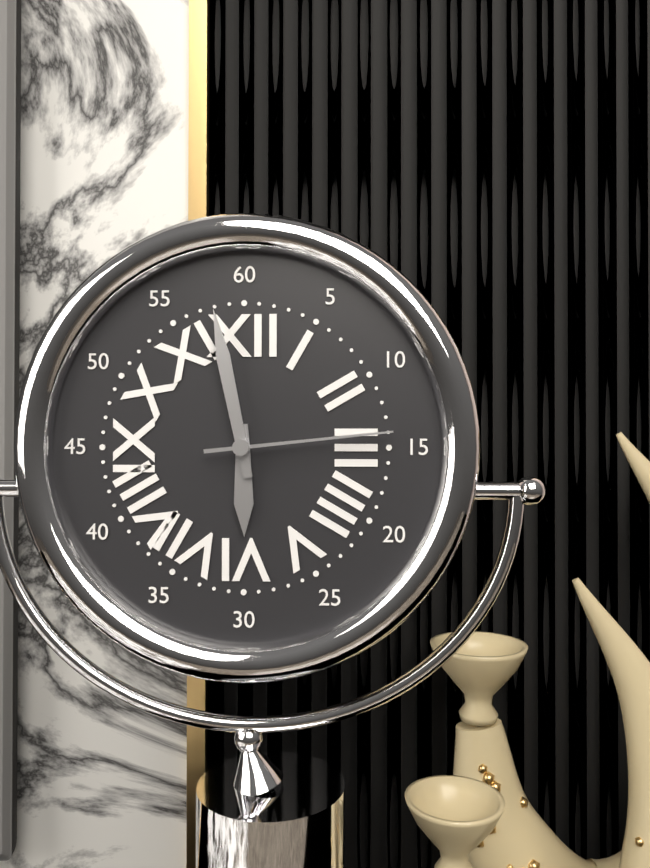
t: h=5 m=58 s=14
